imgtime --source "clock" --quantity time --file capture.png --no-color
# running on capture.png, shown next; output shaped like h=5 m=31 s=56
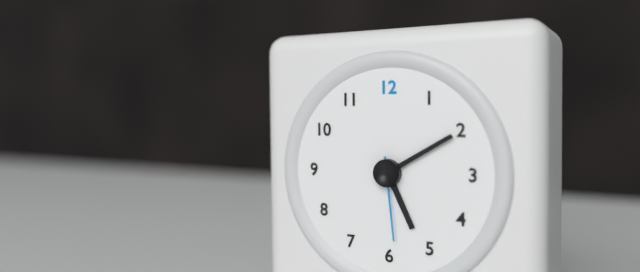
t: h=5 m=10 s=29
